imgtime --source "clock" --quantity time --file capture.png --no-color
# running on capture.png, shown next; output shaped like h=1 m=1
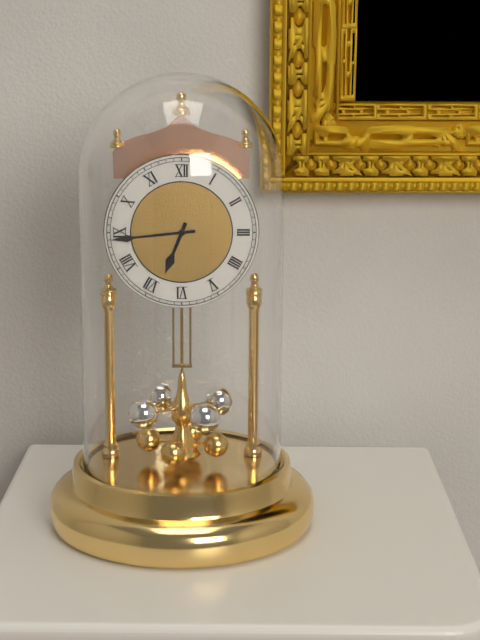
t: h=6 m=44
